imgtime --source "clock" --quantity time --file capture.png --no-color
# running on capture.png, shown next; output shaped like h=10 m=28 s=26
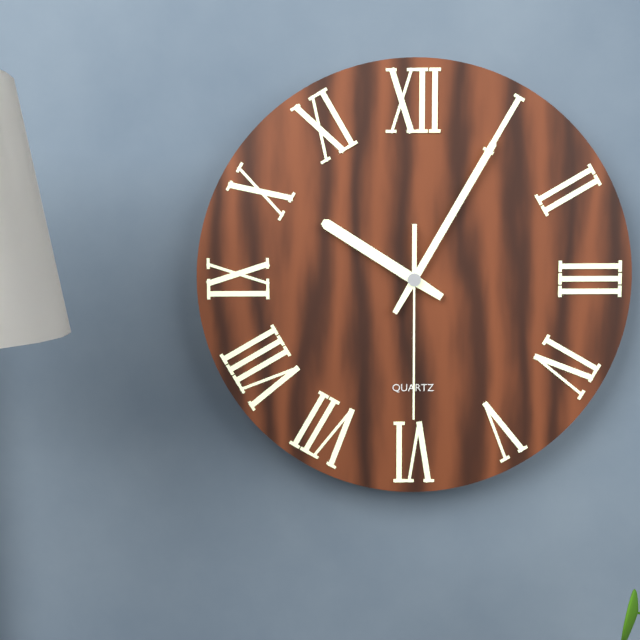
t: h=10 m=5 s=30
